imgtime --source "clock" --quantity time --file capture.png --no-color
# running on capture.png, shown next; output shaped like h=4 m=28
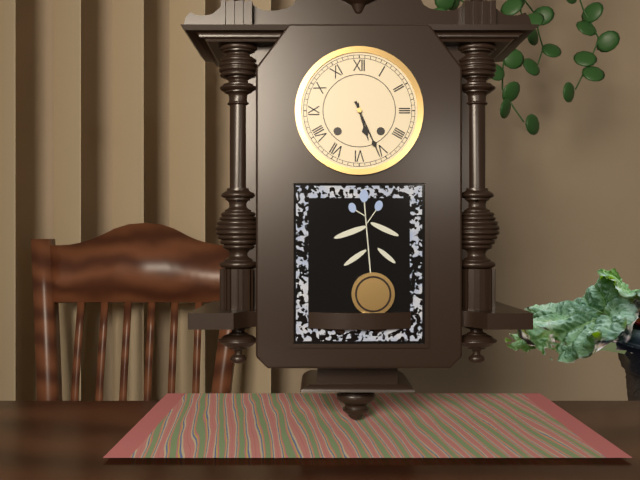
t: h=5 m=26
